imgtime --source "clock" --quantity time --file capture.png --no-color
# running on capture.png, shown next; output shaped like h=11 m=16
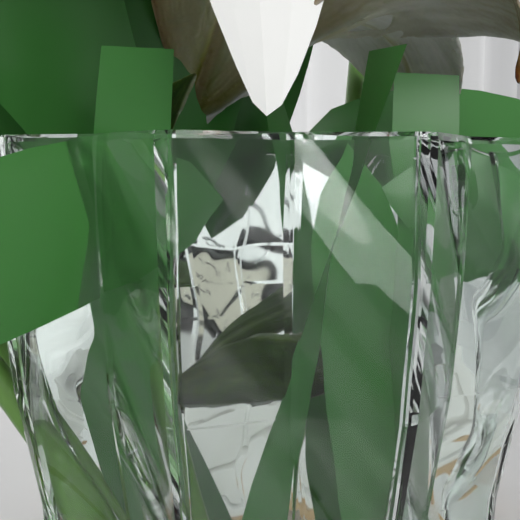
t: h=1 m=39
